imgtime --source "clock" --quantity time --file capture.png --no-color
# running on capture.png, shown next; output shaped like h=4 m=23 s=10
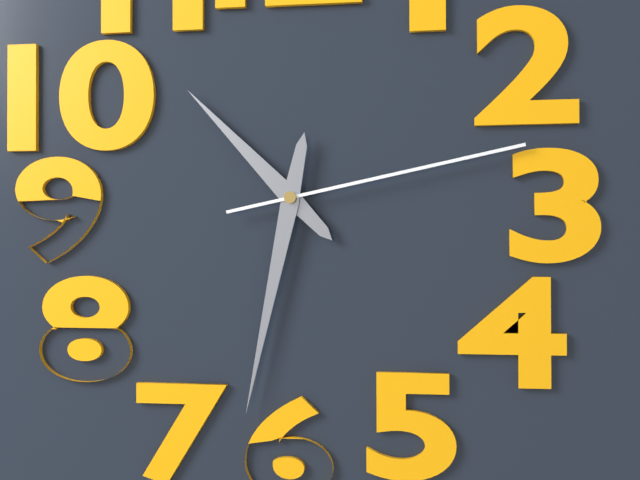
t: h=10 m=32 s=13
